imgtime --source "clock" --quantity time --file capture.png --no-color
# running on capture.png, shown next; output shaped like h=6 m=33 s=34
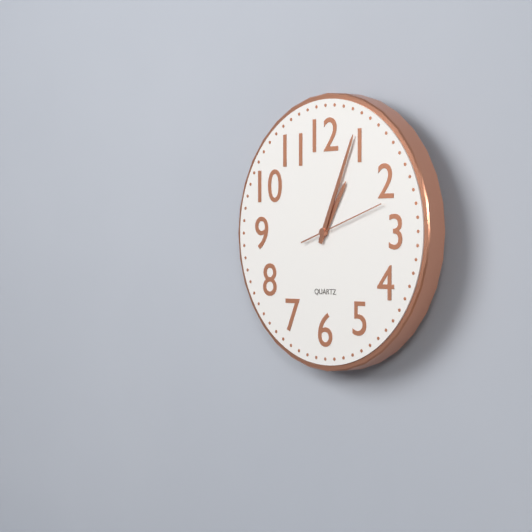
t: h=1 m=4 s=12
